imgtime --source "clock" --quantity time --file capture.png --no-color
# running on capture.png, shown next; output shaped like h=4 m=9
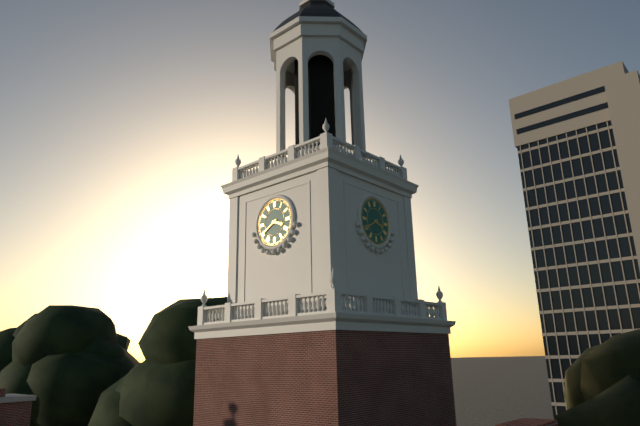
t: h=3 m=40
